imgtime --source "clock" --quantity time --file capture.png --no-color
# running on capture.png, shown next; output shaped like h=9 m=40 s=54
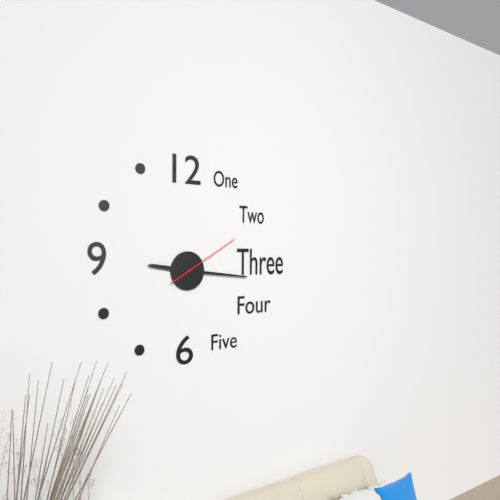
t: h=9 m=16 s=10
